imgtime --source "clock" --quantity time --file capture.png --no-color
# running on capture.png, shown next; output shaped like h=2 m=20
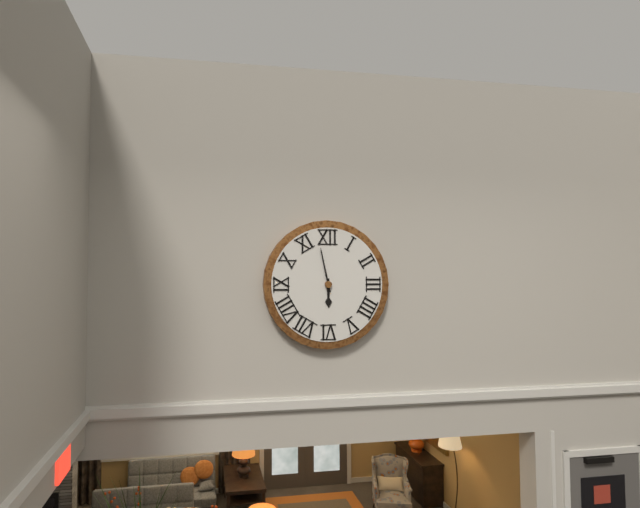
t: h=5 m=58
